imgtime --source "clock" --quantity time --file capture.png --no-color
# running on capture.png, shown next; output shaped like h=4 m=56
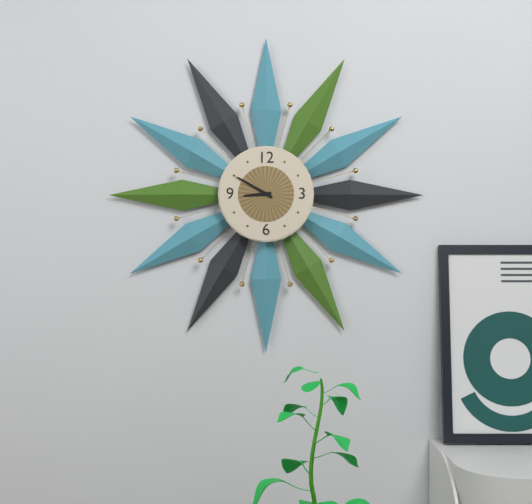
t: h=8 m=50
